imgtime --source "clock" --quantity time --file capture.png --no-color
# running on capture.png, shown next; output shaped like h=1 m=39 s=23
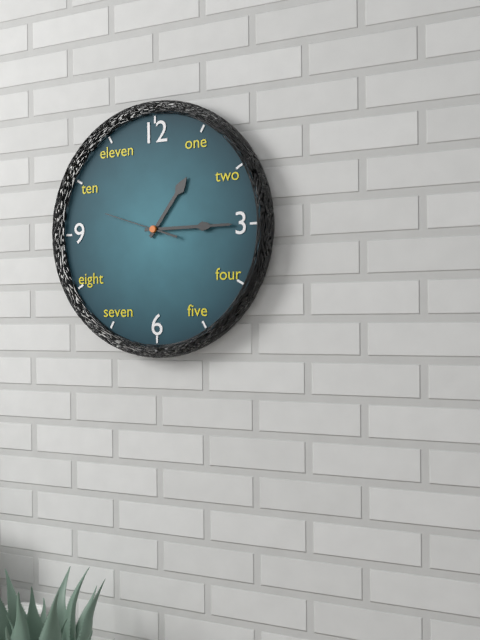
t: h=1 m=15 s=48
